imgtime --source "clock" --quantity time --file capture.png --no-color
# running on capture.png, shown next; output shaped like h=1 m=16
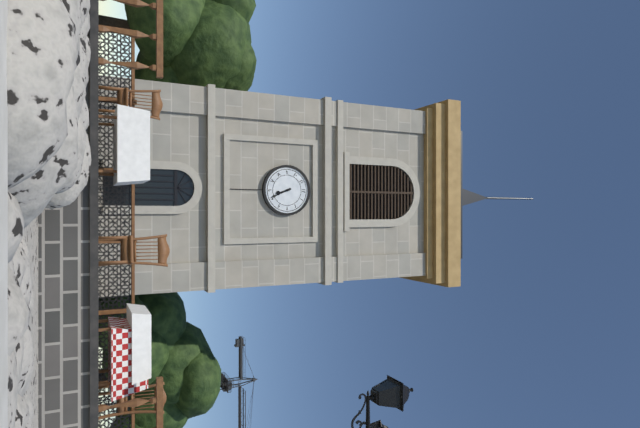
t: h=5 m=26
